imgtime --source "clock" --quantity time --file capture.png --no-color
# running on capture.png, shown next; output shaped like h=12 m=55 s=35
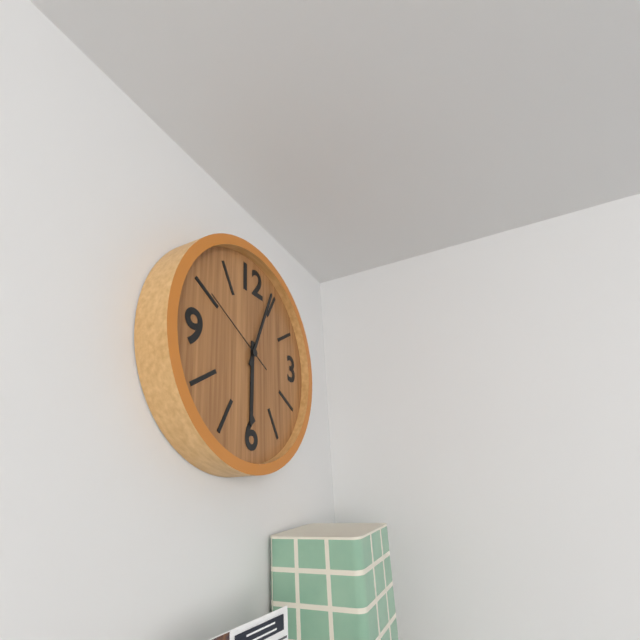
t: h=6 m=4 s=50
